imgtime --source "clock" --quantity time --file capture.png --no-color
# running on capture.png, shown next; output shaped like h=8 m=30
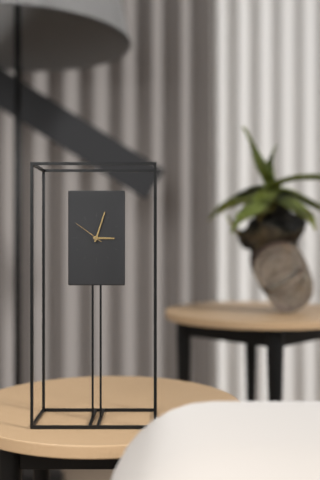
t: h=3 m=3
